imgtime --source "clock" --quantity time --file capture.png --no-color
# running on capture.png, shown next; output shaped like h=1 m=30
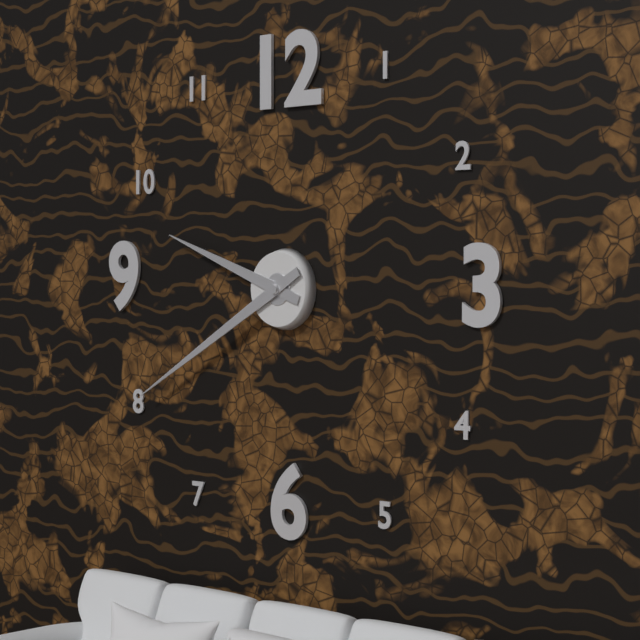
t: h=9 m=40
